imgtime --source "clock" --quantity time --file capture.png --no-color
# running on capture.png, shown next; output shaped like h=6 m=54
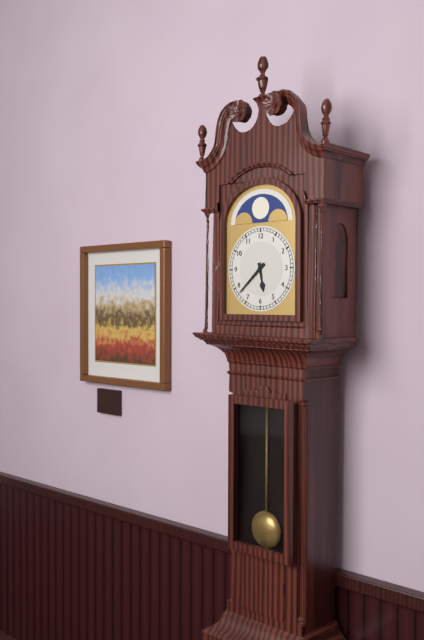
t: h=5 m=38
